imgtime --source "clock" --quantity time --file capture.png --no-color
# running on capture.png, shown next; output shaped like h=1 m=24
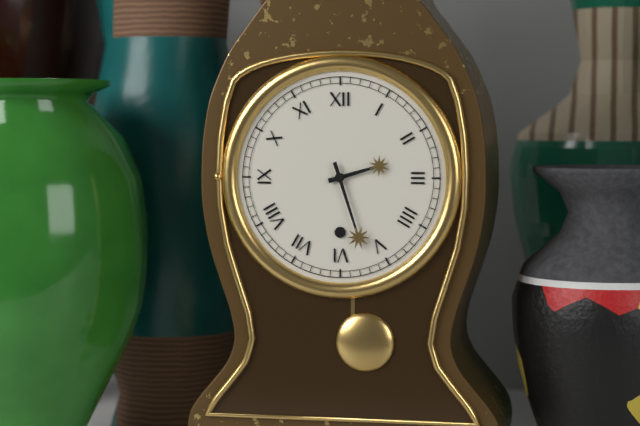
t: h=2 m=27
